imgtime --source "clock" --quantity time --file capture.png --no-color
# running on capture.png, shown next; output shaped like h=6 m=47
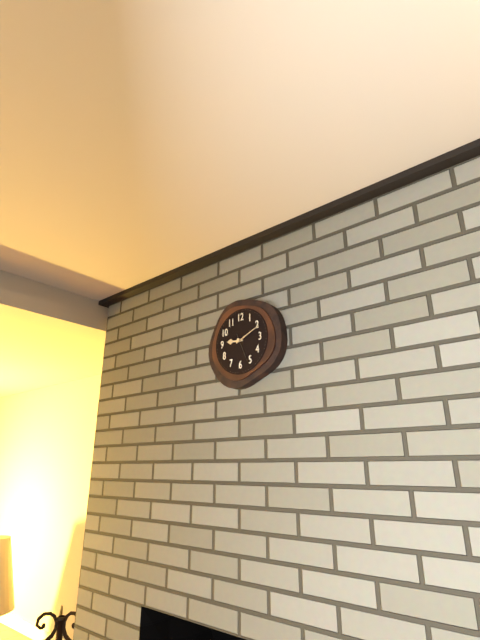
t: h=9 m=11
